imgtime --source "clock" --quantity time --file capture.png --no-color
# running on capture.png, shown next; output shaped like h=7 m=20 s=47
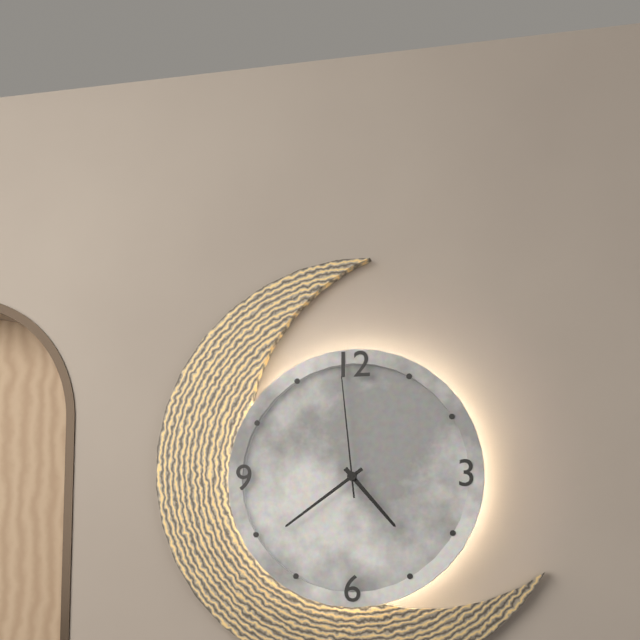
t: h=4 m=39 s=59
